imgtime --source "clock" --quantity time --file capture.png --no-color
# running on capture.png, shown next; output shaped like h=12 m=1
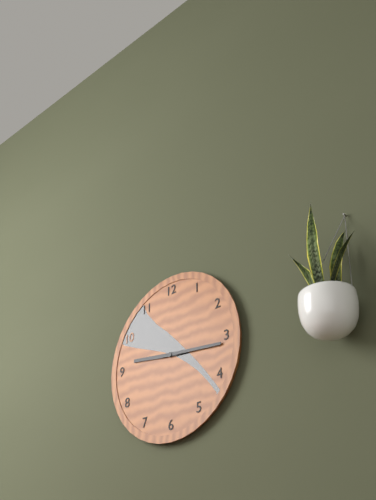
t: h=9 m=16
